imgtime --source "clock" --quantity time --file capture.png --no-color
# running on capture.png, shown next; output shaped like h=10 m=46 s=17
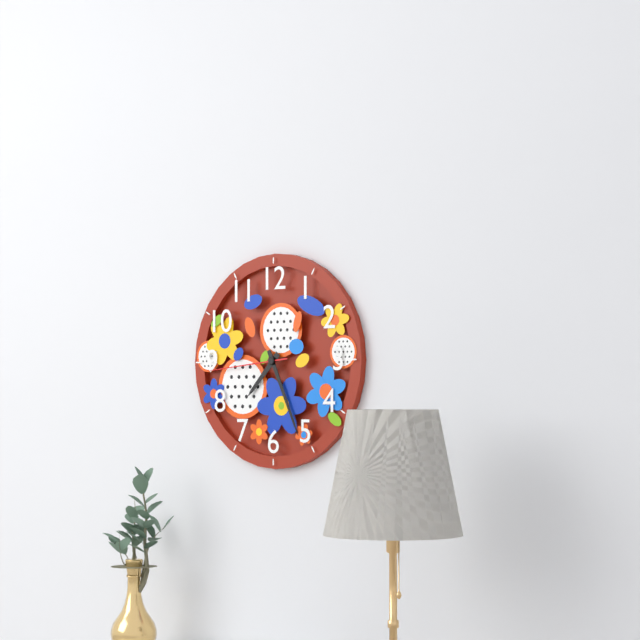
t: h=7 m=26 s=44
